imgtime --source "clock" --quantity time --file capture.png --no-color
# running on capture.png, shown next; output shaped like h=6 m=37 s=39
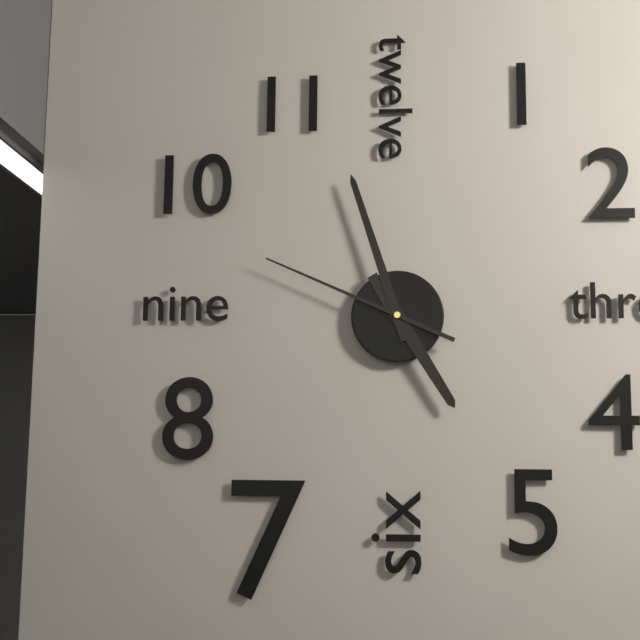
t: h=4 m=57 s=49
